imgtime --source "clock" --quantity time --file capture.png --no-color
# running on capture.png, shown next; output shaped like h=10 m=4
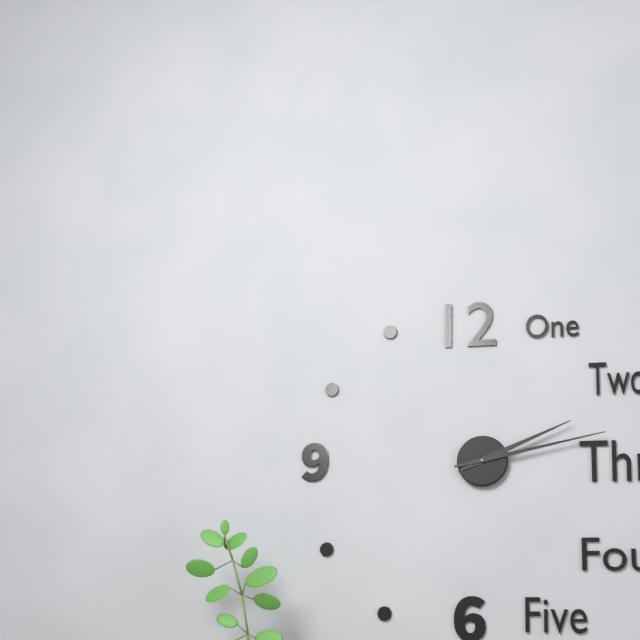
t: h=2 m=13
